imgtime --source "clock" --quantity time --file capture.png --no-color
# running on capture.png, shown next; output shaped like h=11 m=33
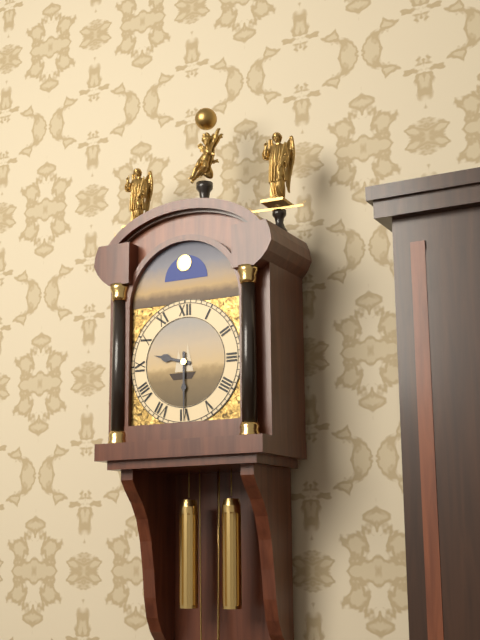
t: h=9 m=30
